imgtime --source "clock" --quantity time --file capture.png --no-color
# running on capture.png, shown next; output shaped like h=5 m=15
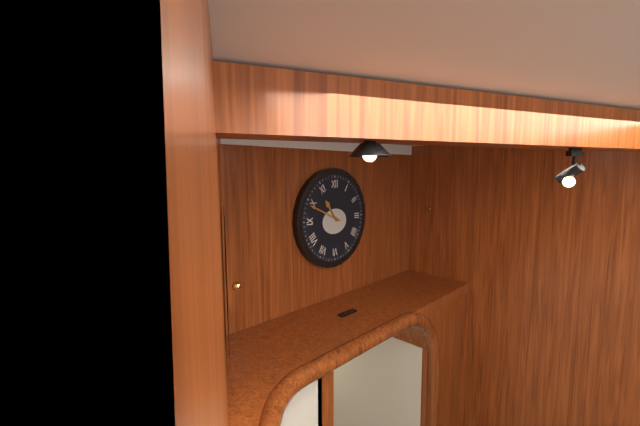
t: h=10 m=49
